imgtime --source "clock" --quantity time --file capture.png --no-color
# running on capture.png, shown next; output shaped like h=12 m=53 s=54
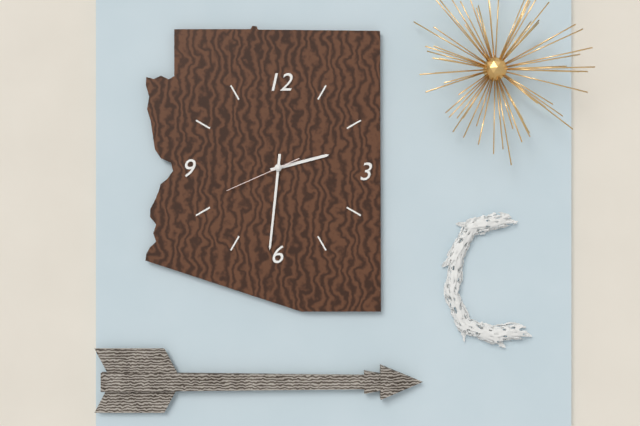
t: h=2 m=31 s=41
